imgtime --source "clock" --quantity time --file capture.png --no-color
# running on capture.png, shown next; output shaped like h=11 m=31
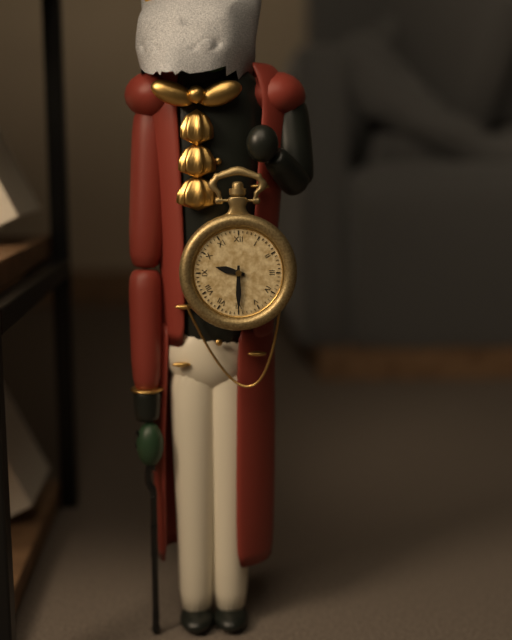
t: h=9 m=30
